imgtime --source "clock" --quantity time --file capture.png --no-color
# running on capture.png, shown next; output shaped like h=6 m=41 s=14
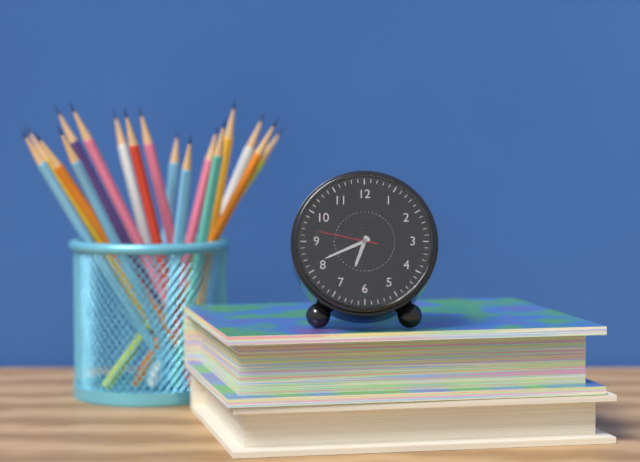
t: h=6 m=41 s=47
